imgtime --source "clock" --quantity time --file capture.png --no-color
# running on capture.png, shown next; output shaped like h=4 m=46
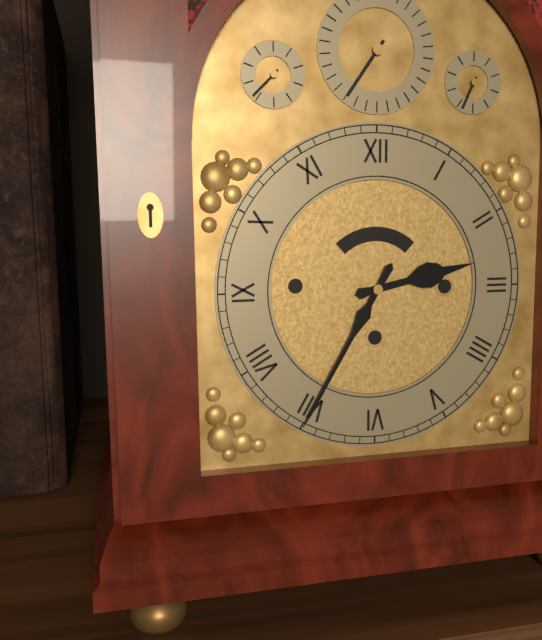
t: h=2 m=35
